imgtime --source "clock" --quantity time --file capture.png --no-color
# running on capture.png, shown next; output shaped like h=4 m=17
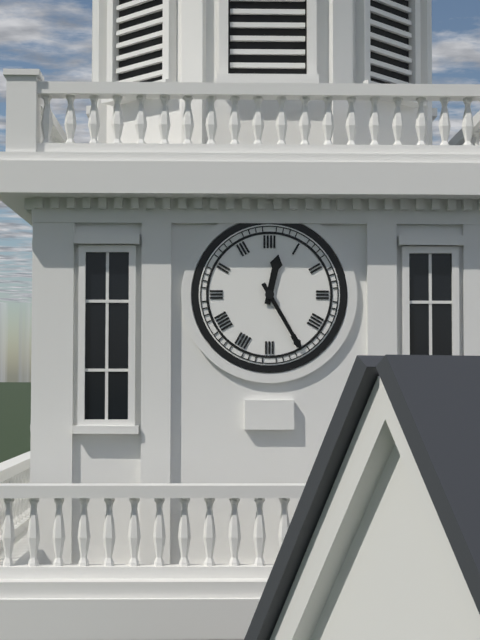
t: h=12 m=25
